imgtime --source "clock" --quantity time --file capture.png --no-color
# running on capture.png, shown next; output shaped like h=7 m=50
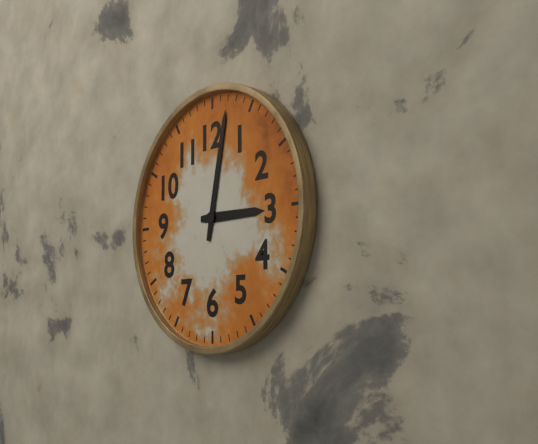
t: h=3 m=2
